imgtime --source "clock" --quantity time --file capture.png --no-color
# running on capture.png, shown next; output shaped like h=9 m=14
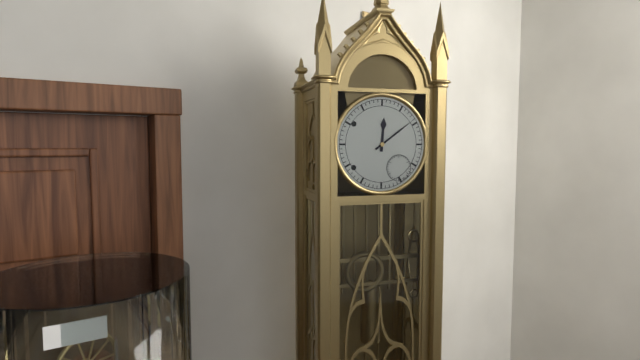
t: h=12 m=9
